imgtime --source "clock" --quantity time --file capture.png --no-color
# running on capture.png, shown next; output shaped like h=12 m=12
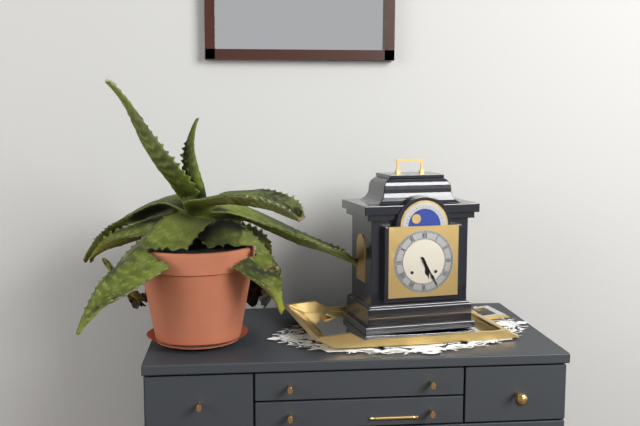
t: h=5 m=25
